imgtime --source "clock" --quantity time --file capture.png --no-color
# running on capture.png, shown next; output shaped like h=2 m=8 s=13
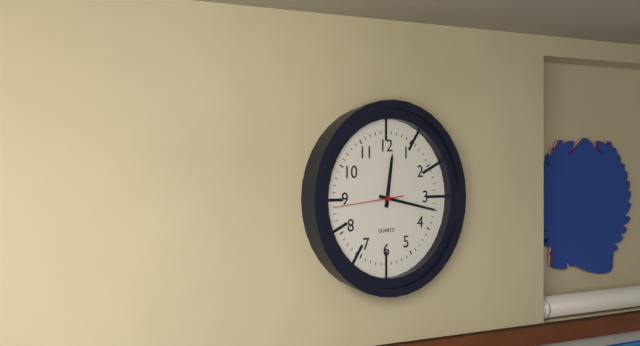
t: h=12 m=17 s=44
